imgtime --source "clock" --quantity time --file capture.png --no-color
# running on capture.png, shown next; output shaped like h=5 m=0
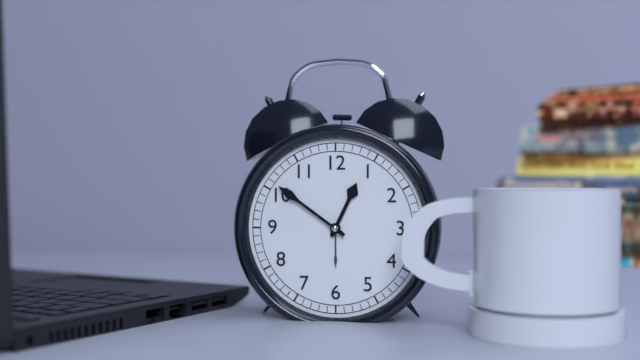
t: h=12 m=51
